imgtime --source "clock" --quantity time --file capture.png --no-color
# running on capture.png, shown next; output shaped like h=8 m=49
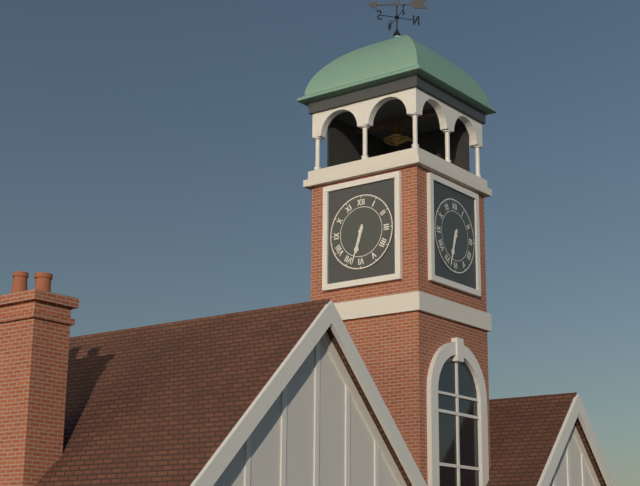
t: h=6 m=33
